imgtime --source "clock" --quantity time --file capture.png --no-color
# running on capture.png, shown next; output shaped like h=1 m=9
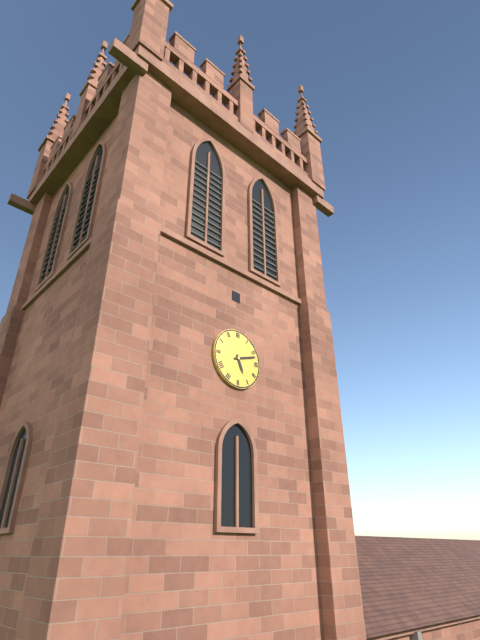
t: h=5 m=12
